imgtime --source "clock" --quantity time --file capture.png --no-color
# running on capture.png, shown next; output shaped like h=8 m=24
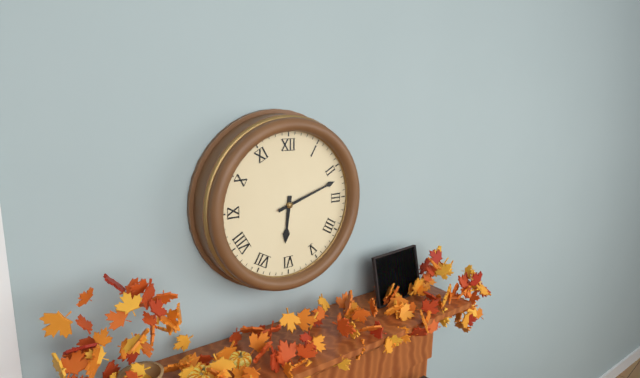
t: h=6 m=12
